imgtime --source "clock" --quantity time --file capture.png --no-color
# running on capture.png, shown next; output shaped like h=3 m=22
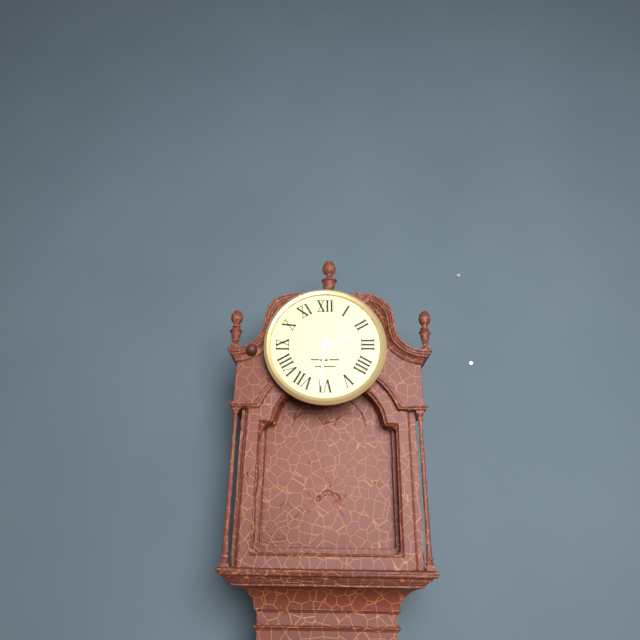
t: h=2 m=31
